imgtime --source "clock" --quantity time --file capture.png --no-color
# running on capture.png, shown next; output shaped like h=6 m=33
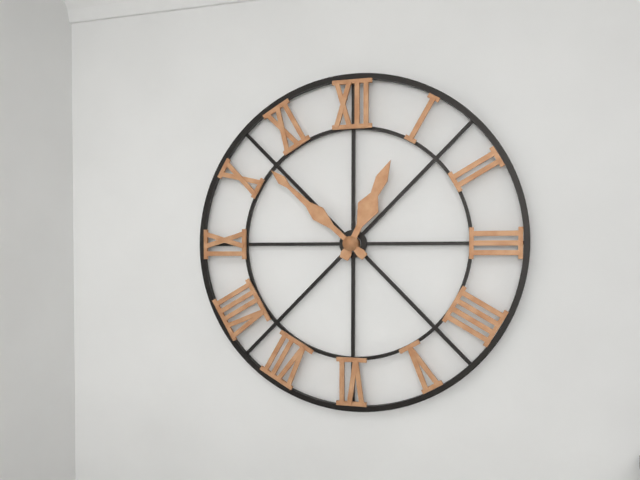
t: h=12 m=52
